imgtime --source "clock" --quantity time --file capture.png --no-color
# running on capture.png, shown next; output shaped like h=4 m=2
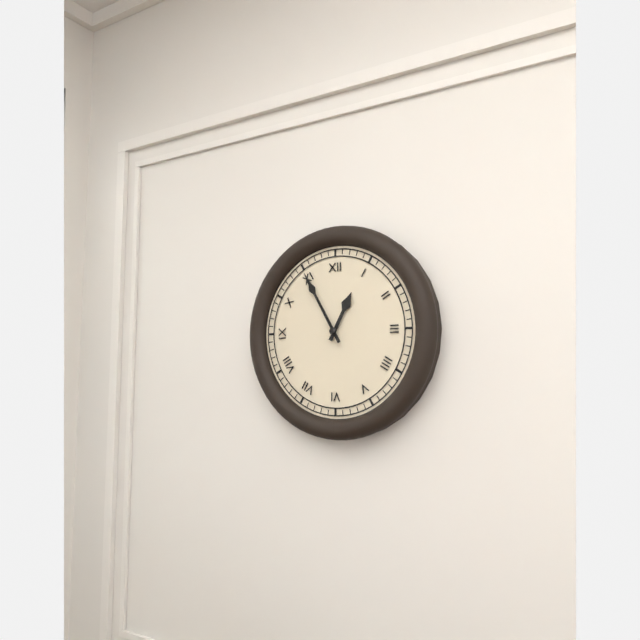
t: h=12 m=55
